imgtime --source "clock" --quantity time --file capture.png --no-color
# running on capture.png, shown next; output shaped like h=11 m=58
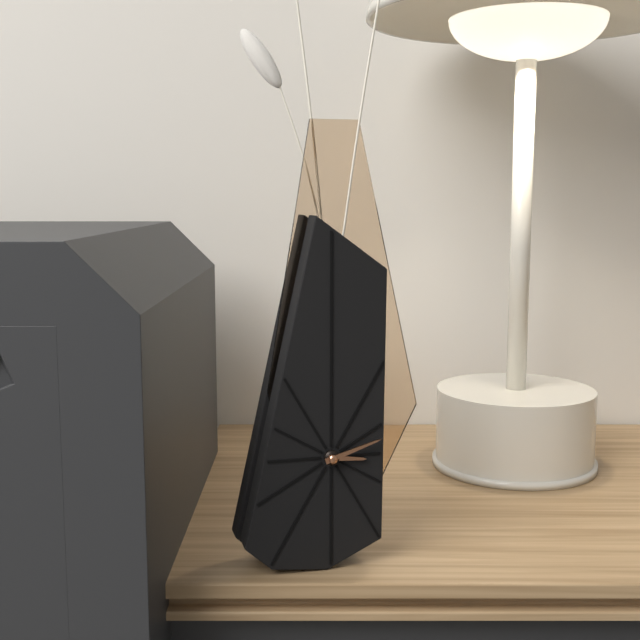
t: h=3 m=12
